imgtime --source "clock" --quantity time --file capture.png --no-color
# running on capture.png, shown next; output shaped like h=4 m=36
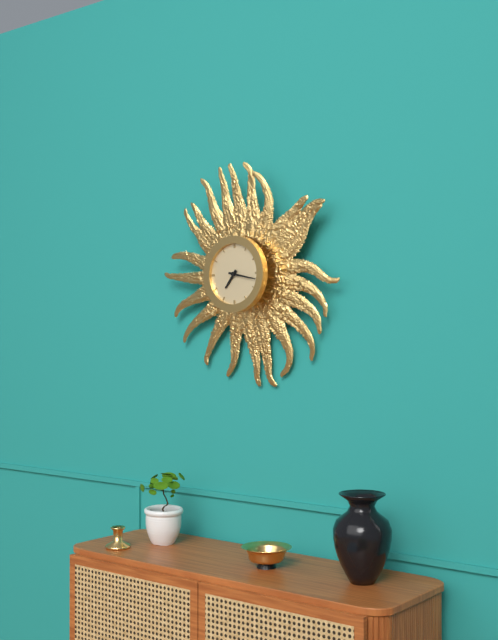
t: h=7 m=17
